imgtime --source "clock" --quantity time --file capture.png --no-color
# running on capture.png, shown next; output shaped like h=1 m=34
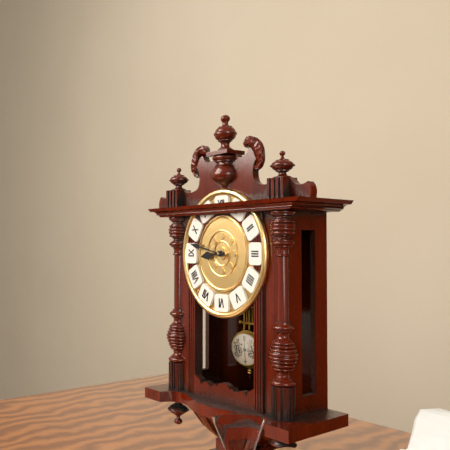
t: h=8 m=47
